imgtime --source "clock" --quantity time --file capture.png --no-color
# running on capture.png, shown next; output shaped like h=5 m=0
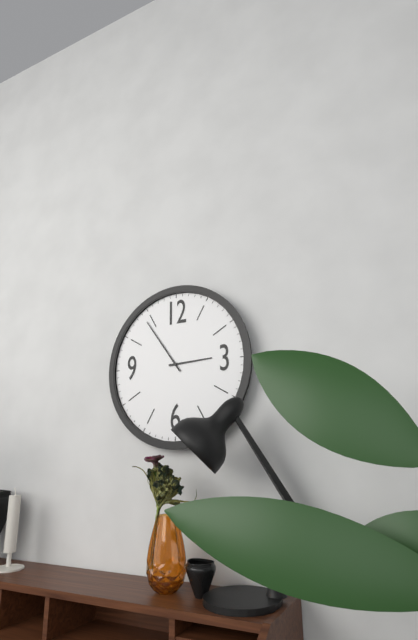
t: h=2 m=54
